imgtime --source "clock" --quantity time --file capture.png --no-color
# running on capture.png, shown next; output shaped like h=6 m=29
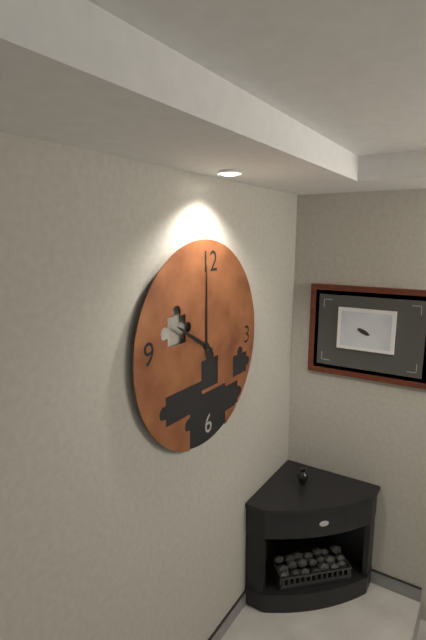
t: h=10 m=0
